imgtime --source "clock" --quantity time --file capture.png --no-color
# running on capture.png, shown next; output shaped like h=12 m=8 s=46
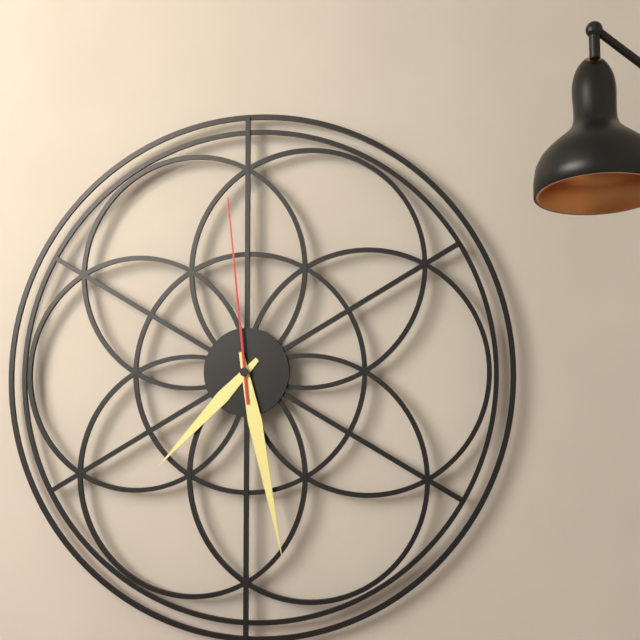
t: h=7 m=28 s=59
